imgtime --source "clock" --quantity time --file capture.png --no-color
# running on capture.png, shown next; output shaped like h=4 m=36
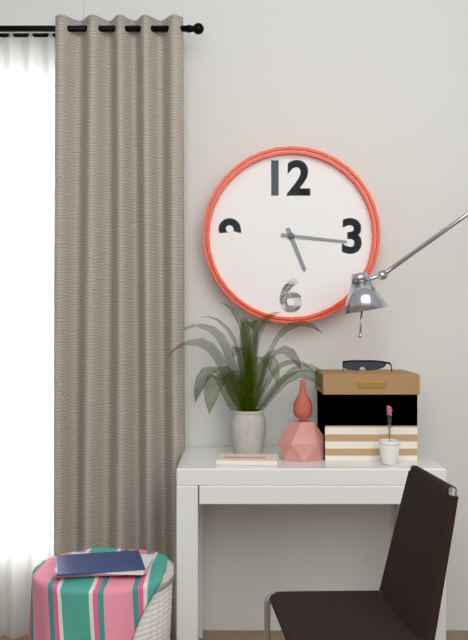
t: h=5 m=16
